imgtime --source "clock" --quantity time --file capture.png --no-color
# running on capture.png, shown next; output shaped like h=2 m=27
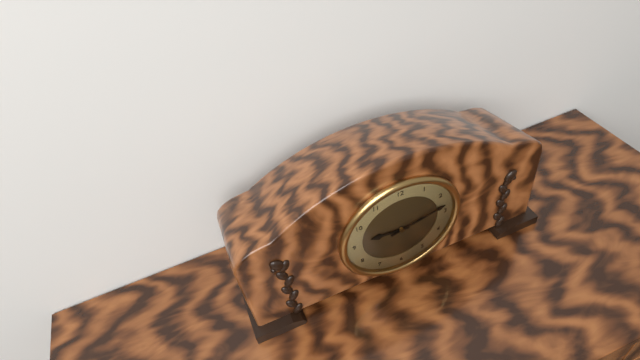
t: h=9 m=13
